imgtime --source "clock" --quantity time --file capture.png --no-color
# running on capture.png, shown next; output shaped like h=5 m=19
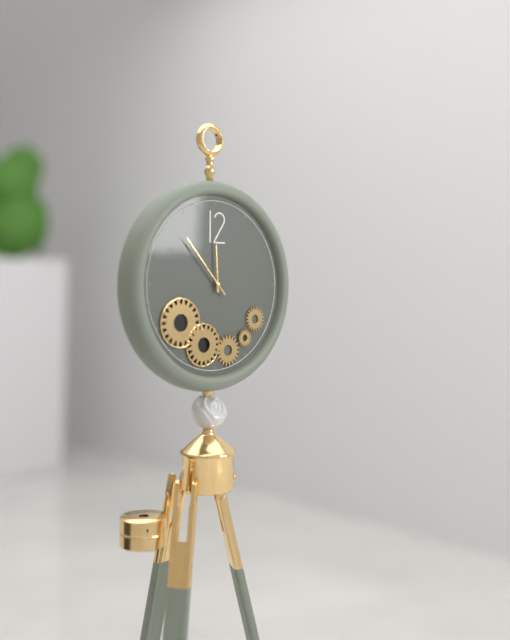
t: h=11 m=53
